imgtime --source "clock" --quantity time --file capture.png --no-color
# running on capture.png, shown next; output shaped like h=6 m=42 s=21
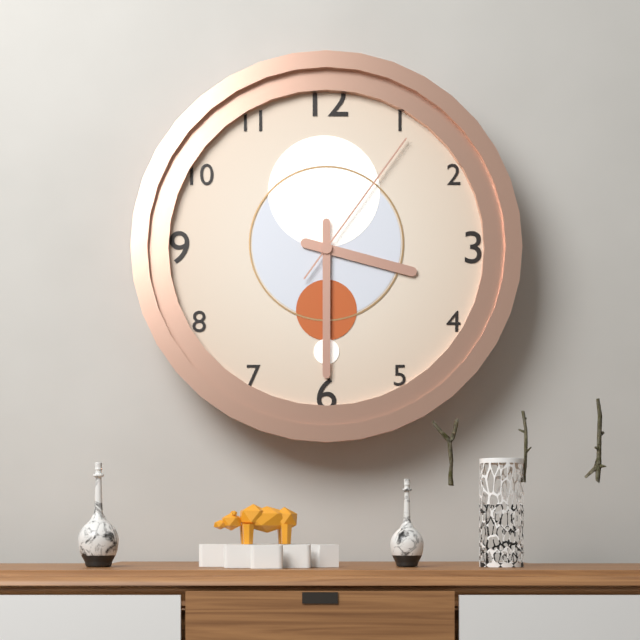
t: h=3 m=30 s=6
